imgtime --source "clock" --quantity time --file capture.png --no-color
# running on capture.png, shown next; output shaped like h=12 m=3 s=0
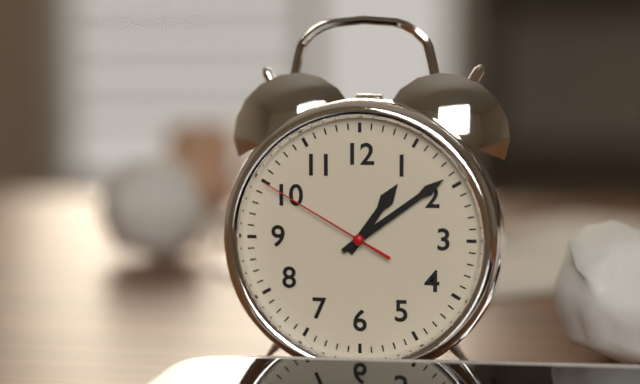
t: h=1 m=9 s=50
